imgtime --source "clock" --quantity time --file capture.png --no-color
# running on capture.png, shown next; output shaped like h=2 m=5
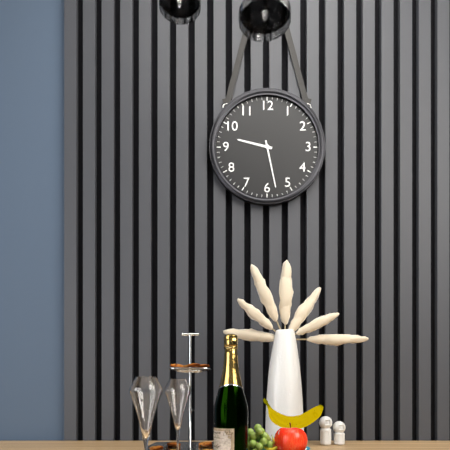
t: h=9 m=28
